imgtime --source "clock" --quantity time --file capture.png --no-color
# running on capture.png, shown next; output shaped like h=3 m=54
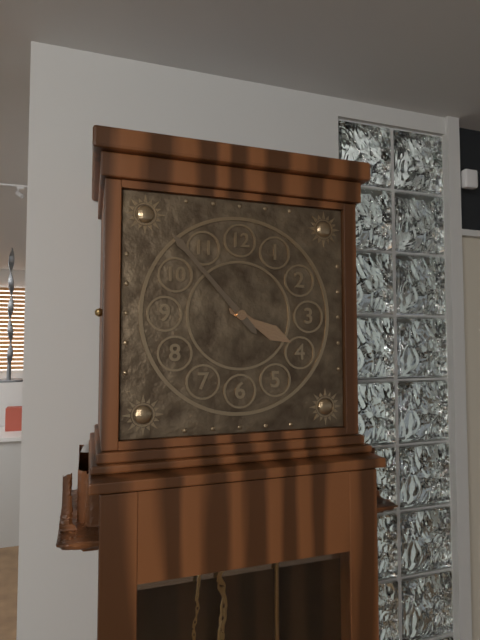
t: h=3 m=53
